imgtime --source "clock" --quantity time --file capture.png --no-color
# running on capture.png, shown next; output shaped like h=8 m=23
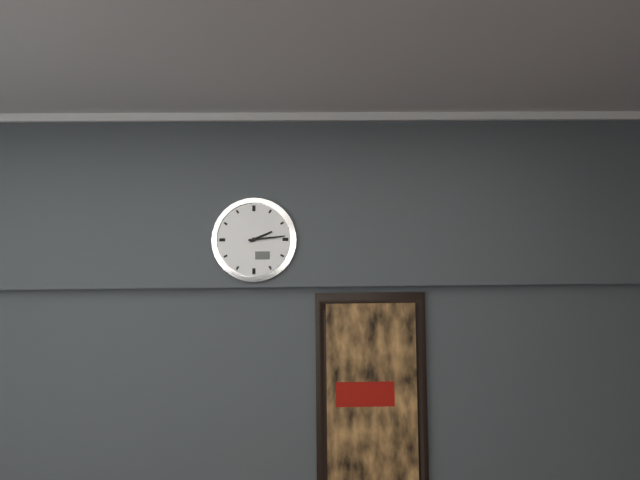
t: h=2 m=14
